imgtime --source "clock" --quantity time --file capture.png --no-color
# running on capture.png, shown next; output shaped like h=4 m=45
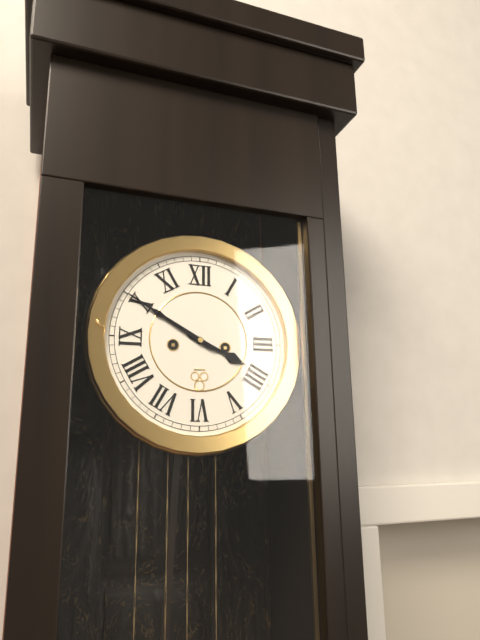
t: h=3 m=50
